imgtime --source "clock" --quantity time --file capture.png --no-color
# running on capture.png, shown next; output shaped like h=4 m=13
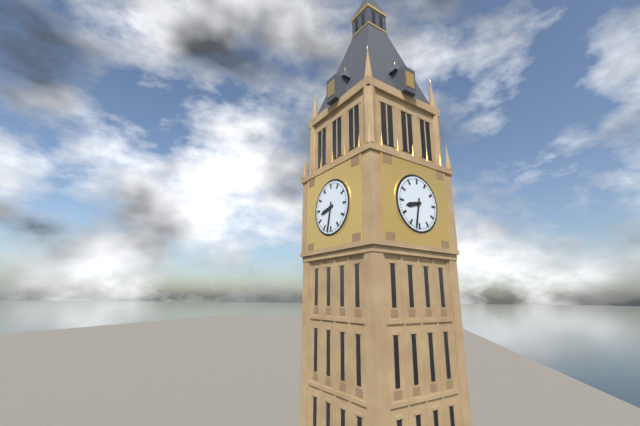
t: h=8 m=32
